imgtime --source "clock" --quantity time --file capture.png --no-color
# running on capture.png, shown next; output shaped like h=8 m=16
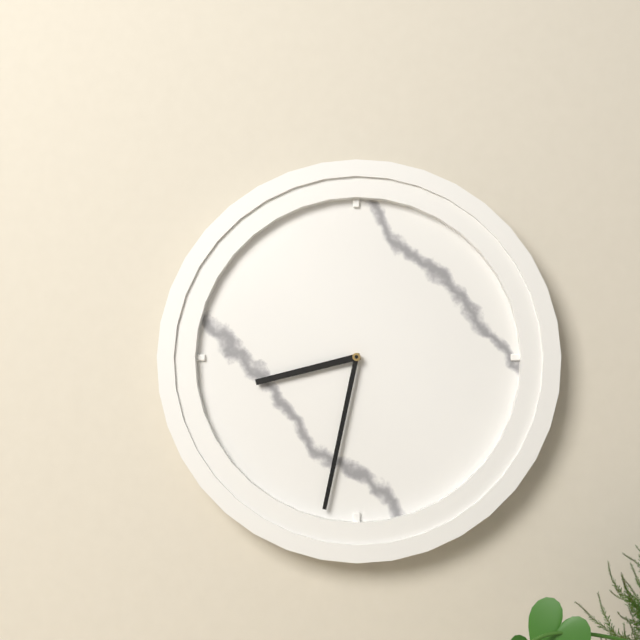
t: h=8 m=32
